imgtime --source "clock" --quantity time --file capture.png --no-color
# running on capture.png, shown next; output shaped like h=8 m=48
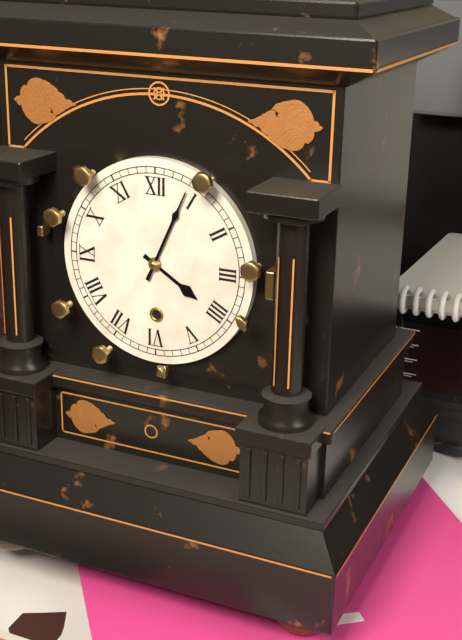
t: h=4 m=4
